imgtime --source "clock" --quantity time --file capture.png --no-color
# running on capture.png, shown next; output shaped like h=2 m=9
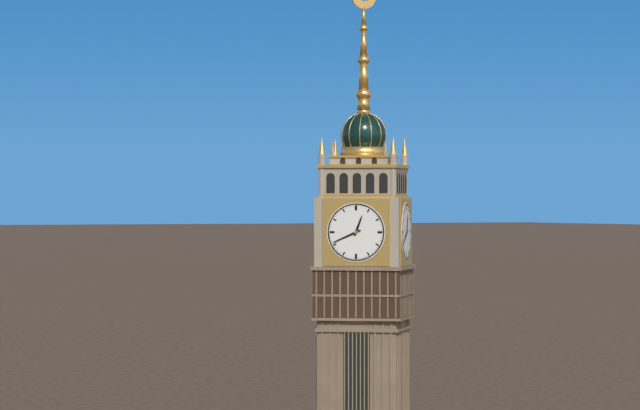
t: h=12 m=41
